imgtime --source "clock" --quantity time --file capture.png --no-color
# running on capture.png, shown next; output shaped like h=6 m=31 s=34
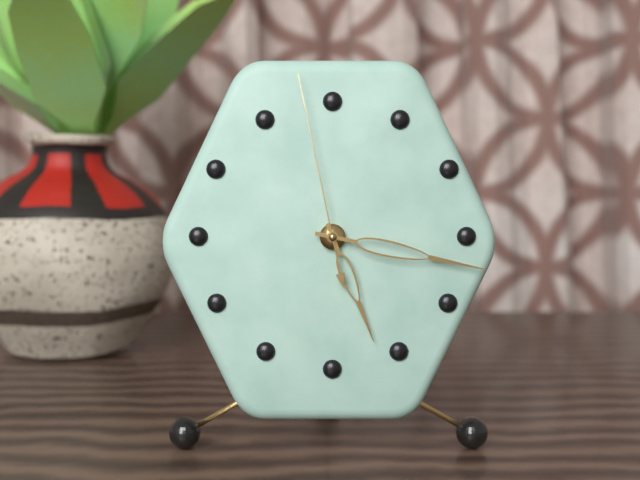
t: h=5 m=17 s=58
